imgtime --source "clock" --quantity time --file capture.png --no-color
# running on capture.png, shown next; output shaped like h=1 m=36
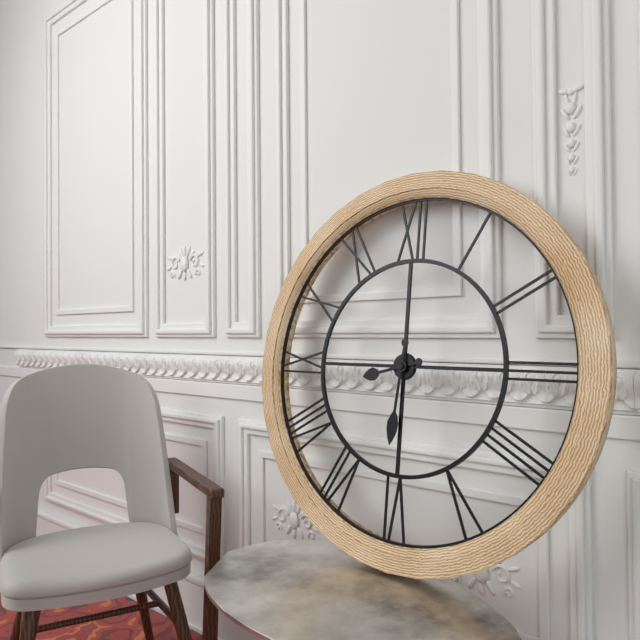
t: h=8 m=31
